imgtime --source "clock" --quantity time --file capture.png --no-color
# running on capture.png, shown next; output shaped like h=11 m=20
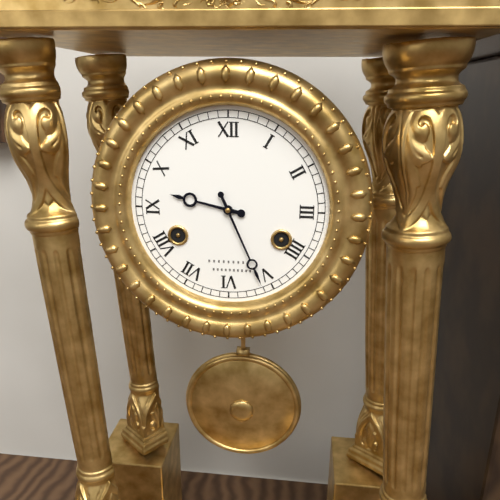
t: h=9 m=26
